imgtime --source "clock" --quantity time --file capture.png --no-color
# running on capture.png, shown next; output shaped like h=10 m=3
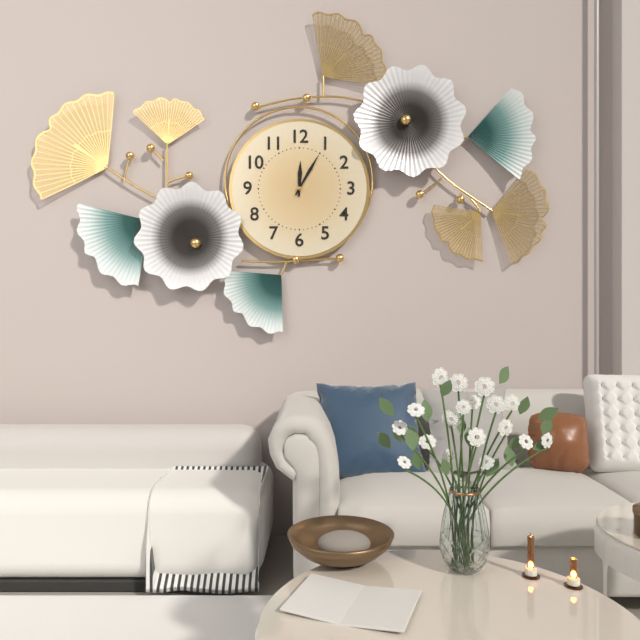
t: h=12 m=5
